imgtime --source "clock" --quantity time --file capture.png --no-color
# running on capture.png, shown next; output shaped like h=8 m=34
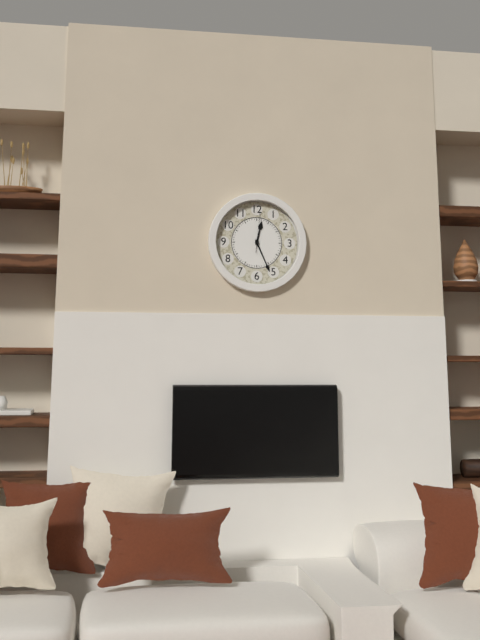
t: h=12 m=26
